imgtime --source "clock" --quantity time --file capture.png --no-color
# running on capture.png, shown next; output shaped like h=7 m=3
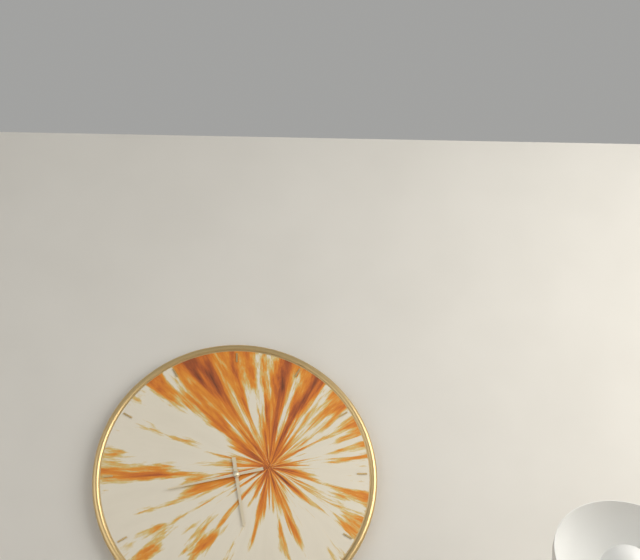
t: h=5 m=43
